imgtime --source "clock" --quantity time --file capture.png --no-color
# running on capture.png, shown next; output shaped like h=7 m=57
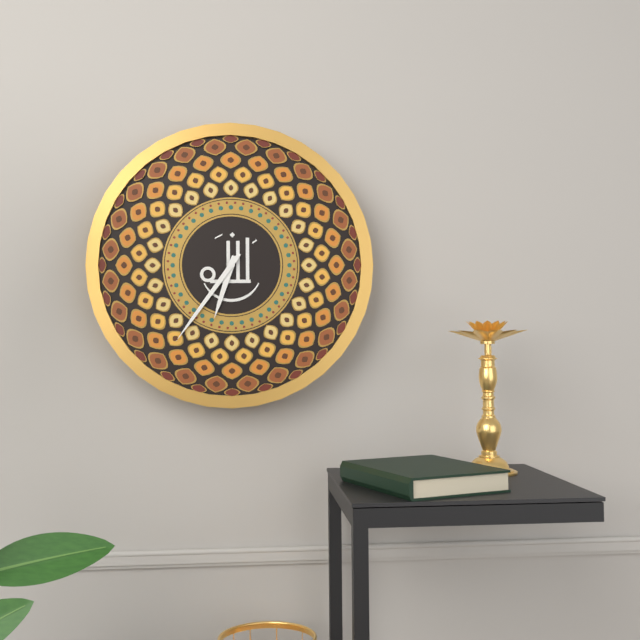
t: h=6 m=36
